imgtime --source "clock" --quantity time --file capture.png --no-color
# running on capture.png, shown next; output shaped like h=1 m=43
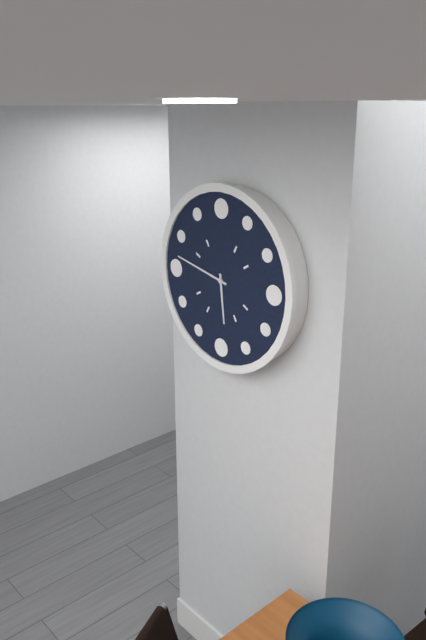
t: h=5 m=47
